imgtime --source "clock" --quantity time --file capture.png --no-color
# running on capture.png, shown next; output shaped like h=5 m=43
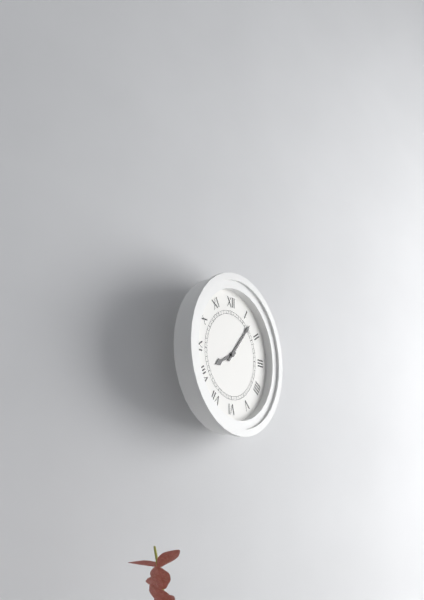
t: h=8 m=7
